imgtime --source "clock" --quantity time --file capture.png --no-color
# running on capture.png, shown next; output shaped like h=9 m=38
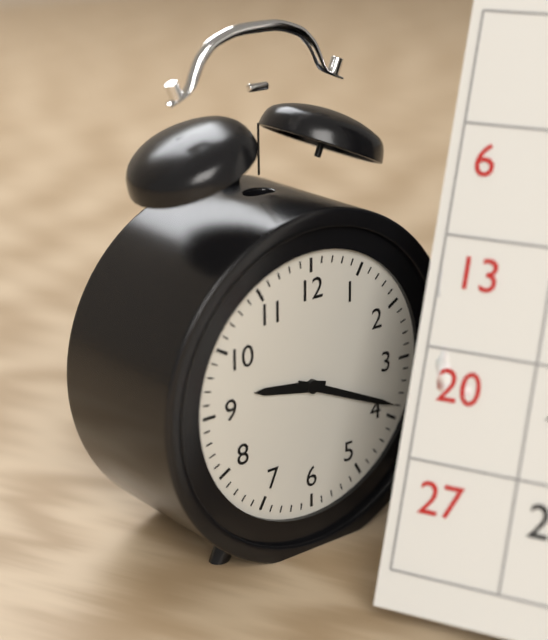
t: h=9 m=19
